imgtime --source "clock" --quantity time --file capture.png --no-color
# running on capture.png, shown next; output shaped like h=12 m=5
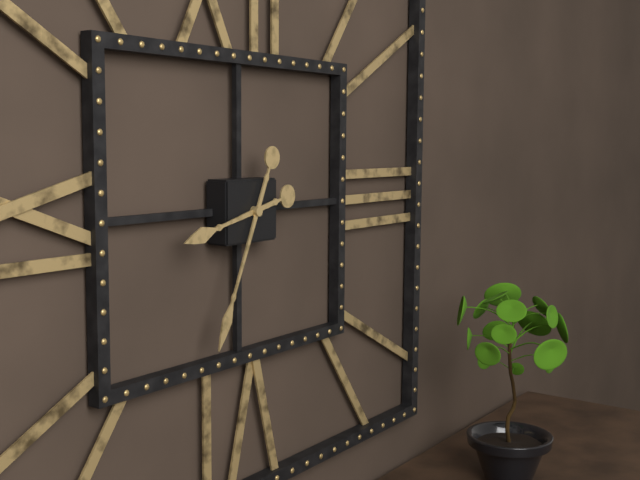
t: h=8 m=34
